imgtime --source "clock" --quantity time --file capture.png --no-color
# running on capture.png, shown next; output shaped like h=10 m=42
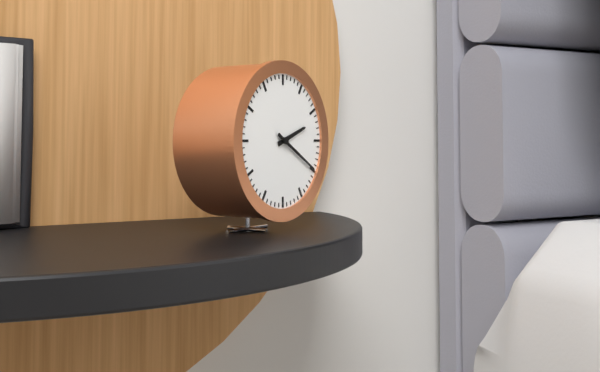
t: h=2 m=20
